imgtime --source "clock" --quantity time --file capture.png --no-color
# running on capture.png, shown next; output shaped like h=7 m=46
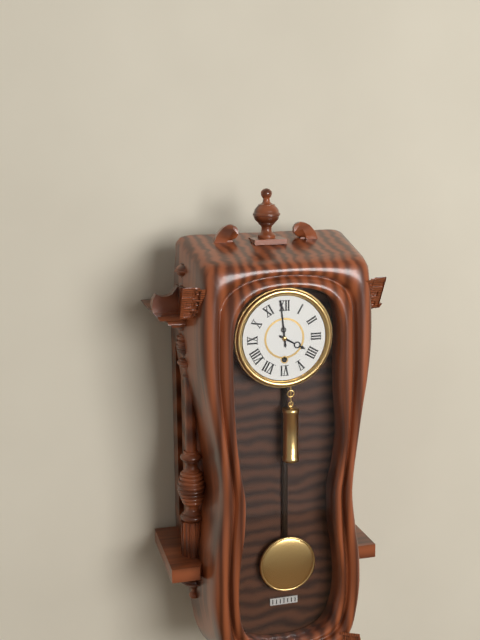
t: h=3 m=59
